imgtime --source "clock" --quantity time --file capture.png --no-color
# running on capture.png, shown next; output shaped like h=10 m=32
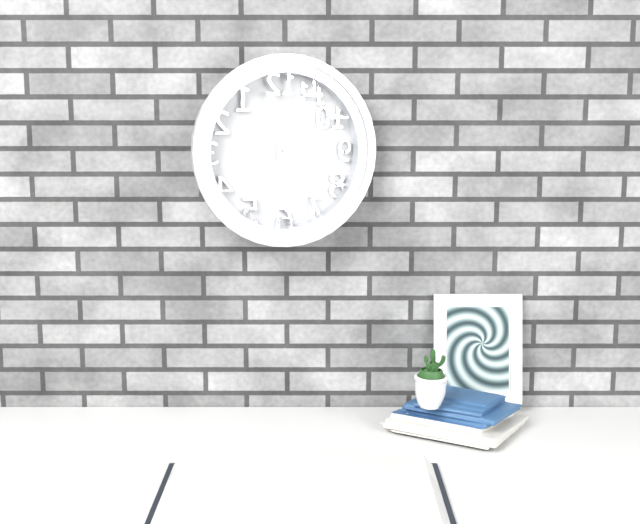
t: h=11 m=32
